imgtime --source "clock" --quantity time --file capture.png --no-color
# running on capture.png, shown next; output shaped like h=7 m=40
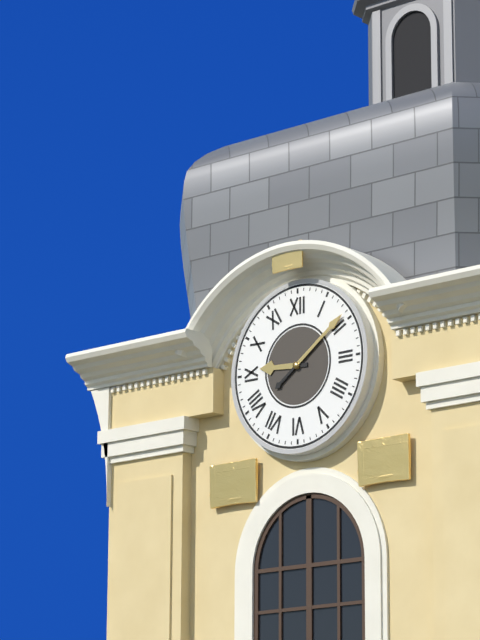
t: h=9 m=9
